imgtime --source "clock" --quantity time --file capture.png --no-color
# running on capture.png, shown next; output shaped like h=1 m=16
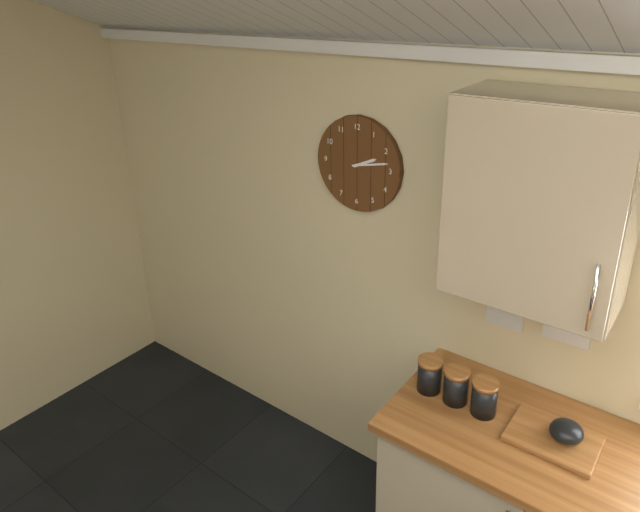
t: h=2 m=13
